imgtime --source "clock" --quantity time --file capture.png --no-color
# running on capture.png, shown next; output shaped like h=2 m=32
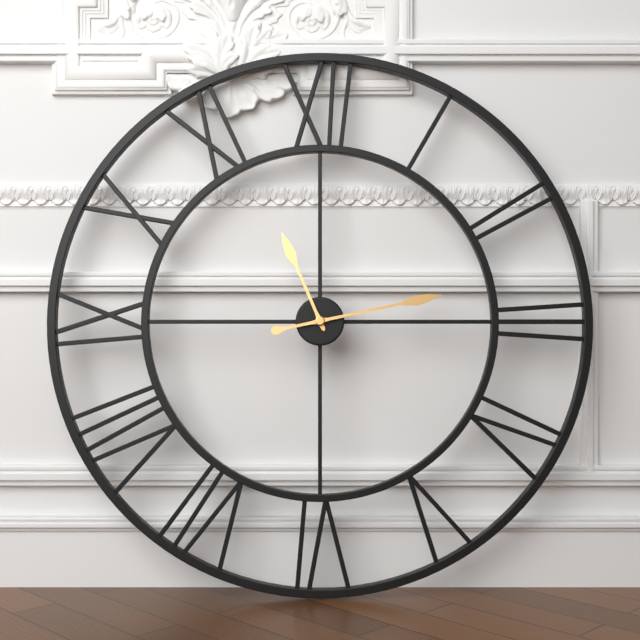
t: h=11 m=13
